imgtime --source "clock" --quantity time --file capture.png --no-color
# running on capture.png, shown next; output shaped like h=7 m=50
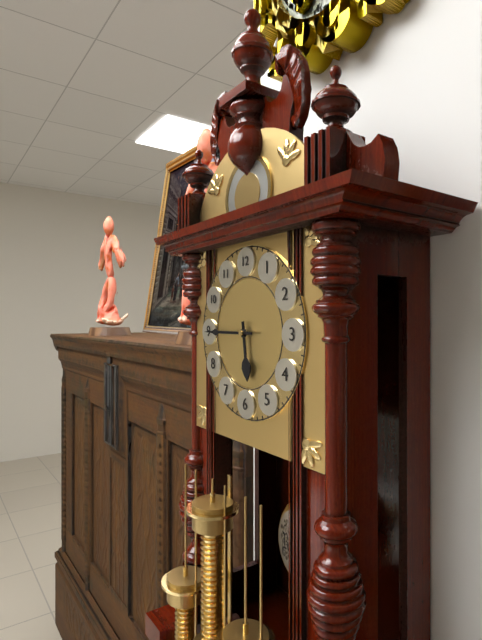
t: h=5 m=45
